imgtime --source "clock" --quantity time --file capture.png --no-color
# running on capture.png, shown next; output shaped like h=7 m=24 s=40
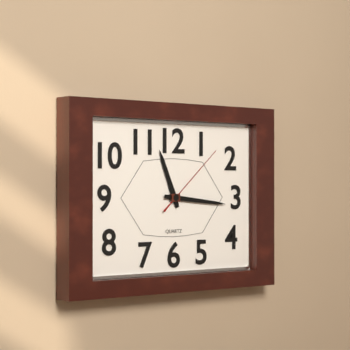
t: h=11 m=16 s=8
